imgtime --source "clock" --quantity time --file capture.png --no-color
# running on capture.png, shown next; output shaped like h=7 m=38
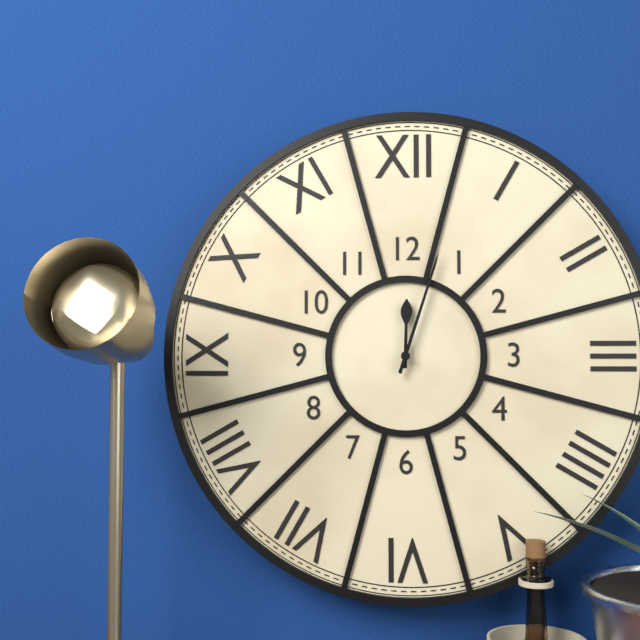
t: h=12 m=3
